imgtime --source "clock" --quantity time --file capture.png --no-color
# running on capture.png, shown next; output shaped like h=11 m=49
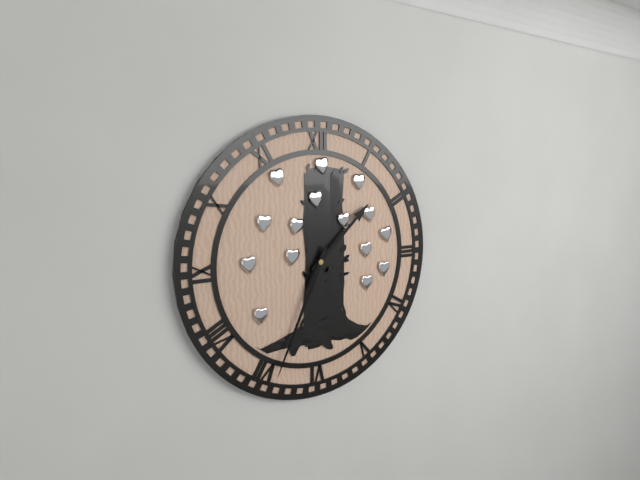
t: h=1 m=34
